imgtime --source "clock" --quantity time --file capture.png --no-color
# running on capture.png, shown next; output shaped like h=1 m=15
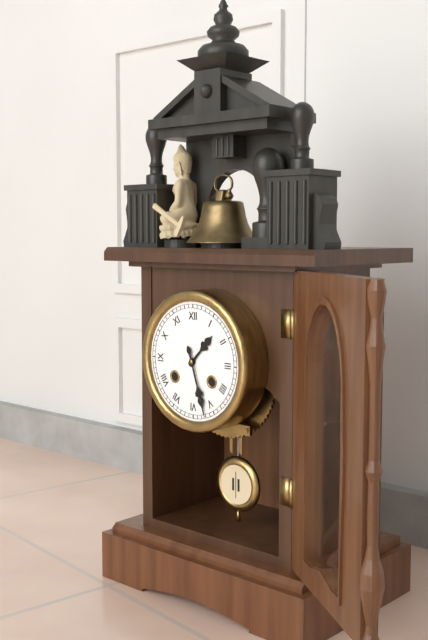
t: h=1 m=27
